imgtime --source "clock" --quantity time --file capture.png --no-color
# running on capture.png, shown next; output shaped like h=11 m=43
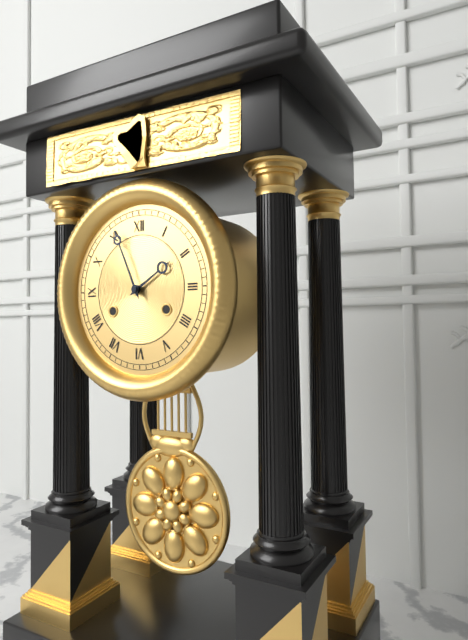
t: h=1 m=56
